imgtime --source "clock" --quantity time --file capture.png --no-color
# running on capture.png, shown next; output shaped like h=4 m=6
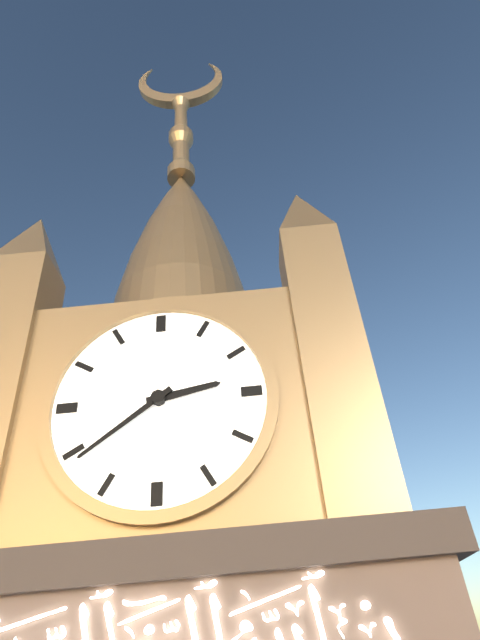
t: h=2 m=39
